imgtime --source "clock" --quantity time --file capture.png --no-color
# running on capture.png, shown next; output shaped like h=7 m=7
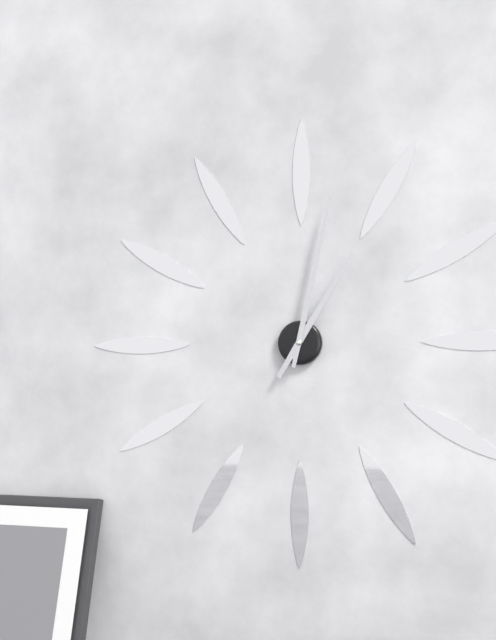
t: h=1 m=2
